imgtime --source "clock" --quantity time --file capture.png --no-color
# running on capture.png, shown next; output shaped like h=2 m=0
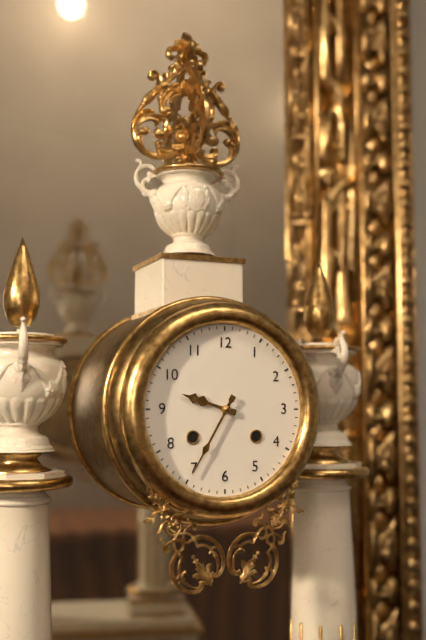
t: h=9 m=35
